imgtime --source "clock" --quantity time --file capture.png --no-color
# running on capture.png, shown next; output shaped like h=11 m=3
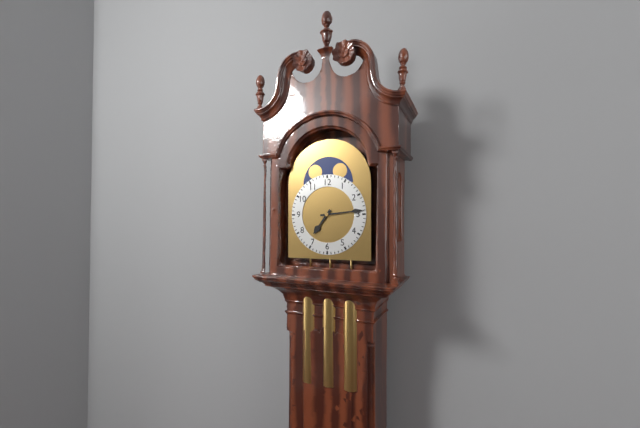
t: h=7 m=14
